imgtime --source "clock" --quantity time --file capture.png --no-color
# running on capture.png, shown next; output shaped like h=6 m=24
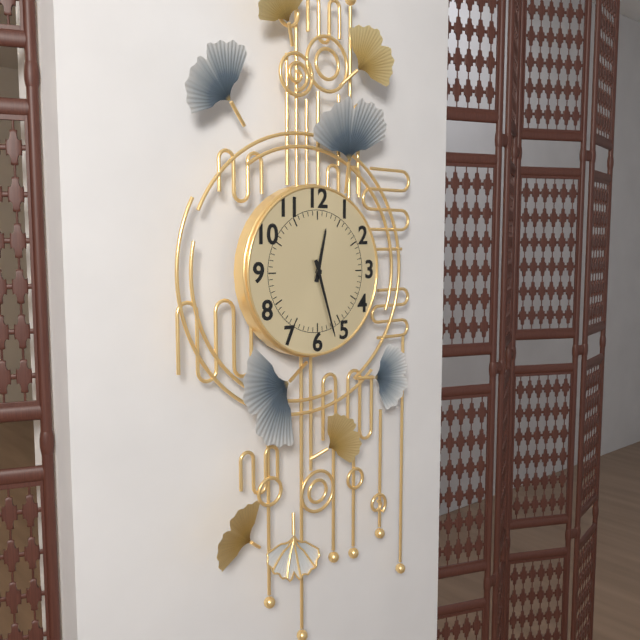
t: h=12 m=27
